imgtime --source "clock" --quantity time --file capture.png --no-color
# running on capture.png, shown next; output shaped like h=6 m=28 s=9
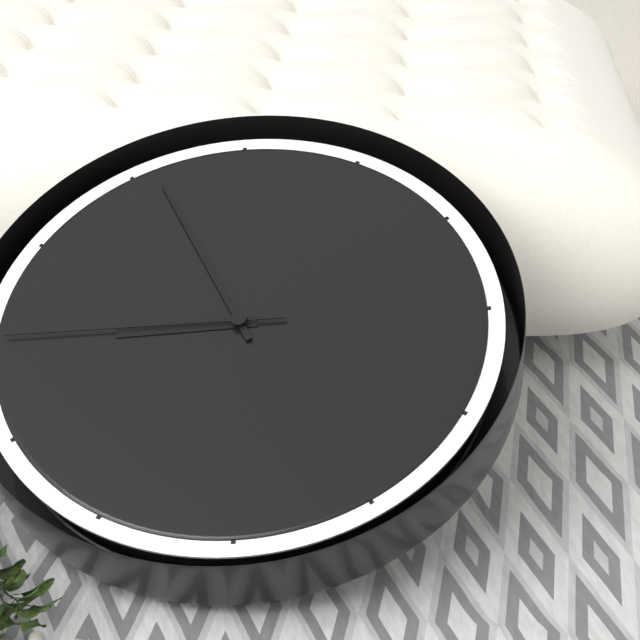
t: h=8 m=56 s=45
